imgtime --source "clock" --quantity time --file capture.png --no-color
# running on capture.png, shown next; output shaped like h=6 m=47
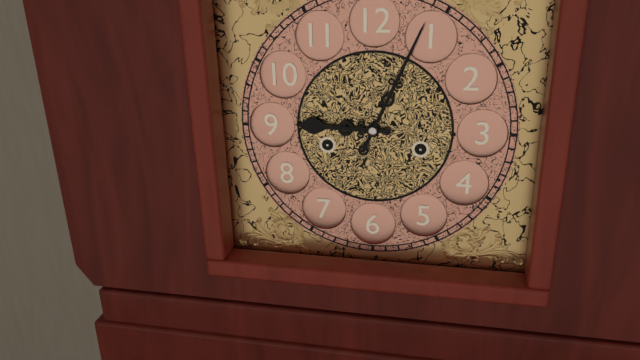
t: h=9 m=4
